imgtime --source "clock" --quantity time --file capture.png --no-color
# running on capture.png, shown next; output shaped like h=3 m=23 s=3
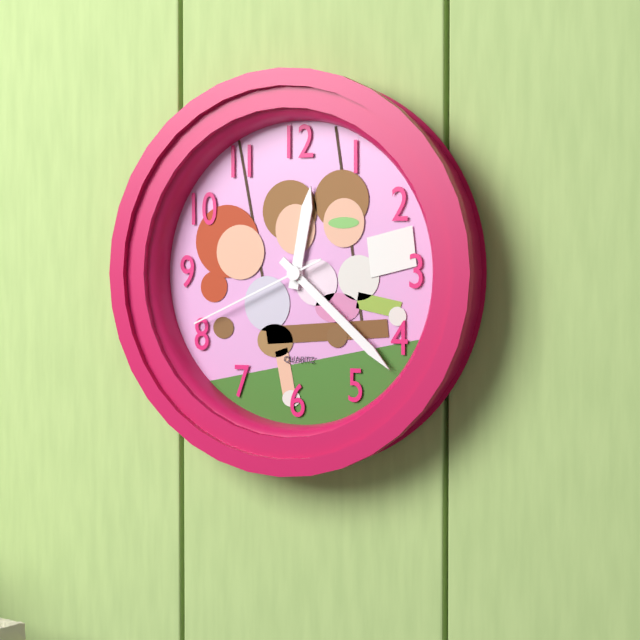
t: h=12 m=22 s=41
